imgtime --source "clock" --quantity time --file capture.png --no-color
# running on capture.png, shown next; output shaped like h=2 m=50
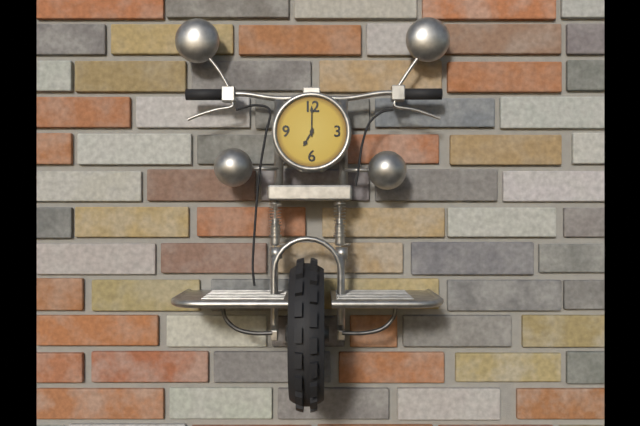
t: h=7 m=0
